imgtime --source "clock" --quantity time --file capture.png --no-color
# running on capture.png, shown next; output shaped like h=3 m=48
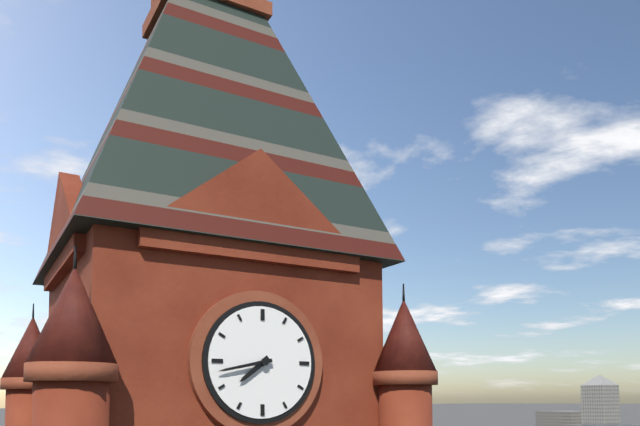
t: h=7 m=43
